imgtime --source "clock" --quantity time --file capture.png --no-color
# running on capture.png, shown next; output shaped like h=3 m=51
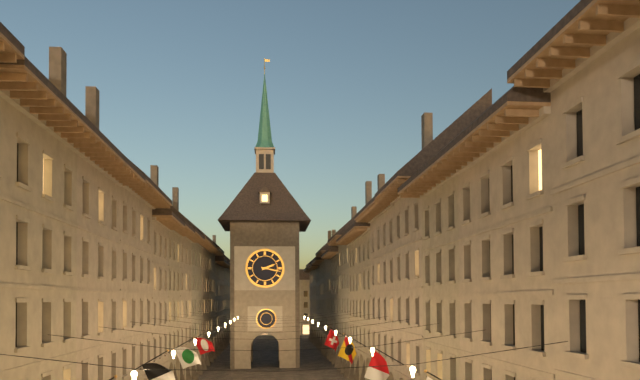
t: h=2 m=17
